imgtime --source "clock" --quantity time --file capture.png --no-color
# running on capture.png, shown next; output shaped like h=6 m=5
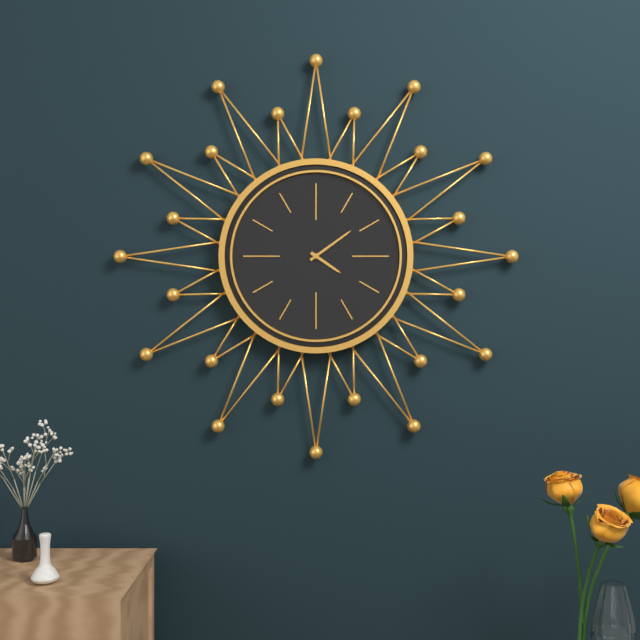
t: h=4 m=9
